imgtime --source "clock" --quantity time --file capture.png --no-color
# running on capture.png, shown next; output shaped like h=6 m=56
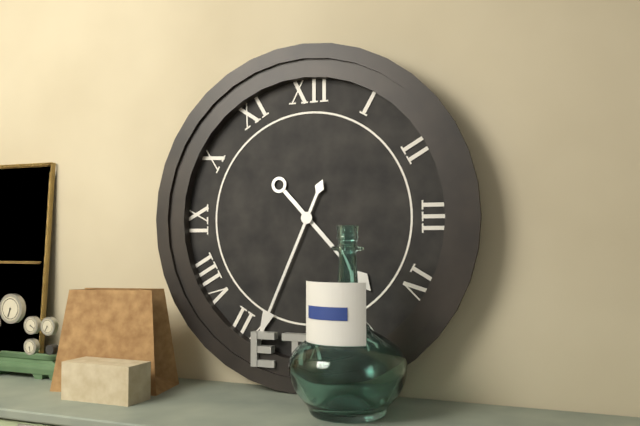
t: h=4 m=34
